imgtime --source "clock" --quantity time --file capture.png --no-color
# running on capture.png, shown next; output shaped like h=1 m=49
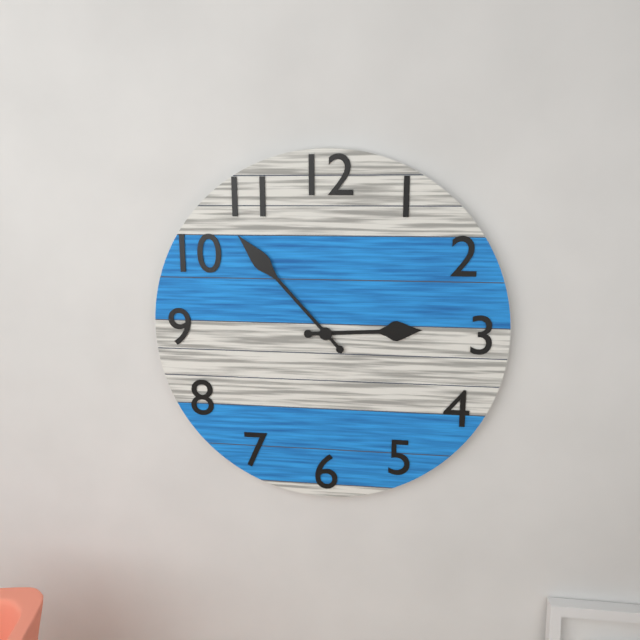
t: h=2 m=53
